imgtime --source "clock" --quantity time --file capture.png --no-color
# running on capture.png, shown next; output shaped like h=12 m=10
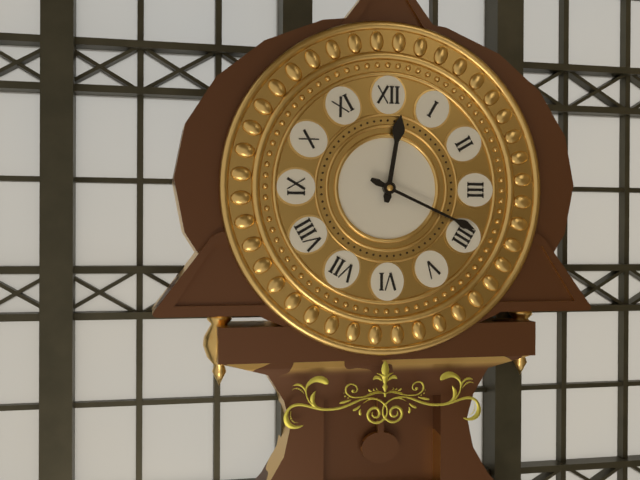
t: h=12 m=19
